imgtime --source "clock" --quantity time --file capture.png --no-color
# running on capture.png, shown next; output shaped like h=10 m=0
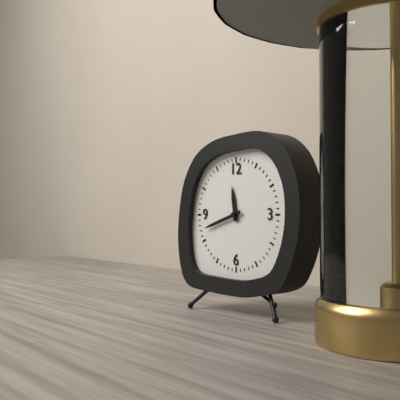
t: h=11 m=42
